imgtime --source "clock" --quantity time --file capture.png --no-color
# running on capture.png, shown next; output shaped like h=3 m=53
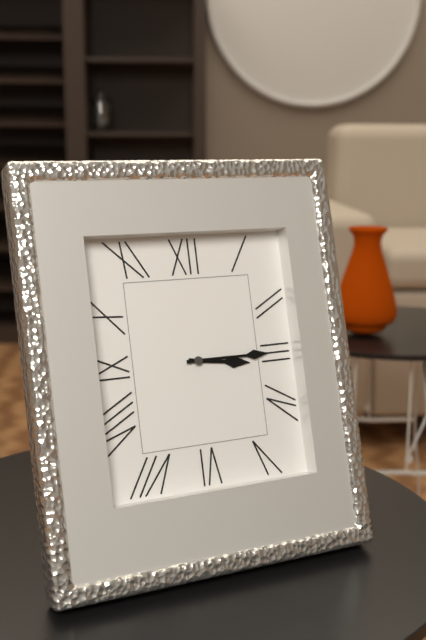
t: h=3 m=15
